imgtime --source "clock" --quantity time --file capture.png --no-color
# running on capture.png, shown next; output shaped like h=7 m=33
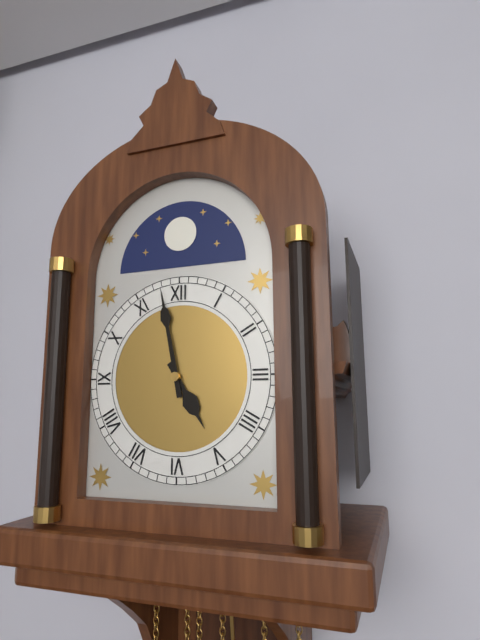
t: h=4 m=58
